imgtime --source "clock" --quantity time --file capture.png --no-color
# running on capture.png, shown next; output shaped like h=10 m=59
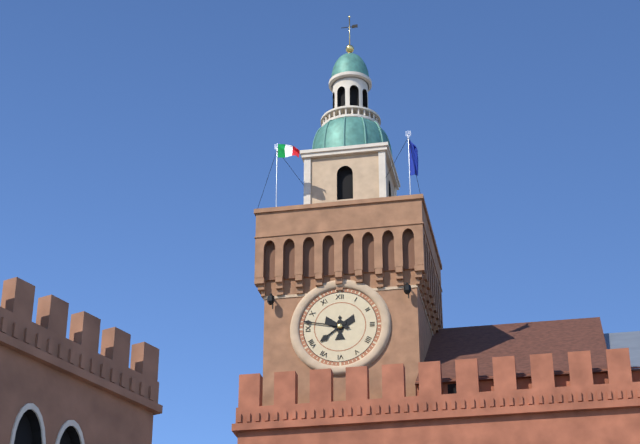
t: h=7 m=47
